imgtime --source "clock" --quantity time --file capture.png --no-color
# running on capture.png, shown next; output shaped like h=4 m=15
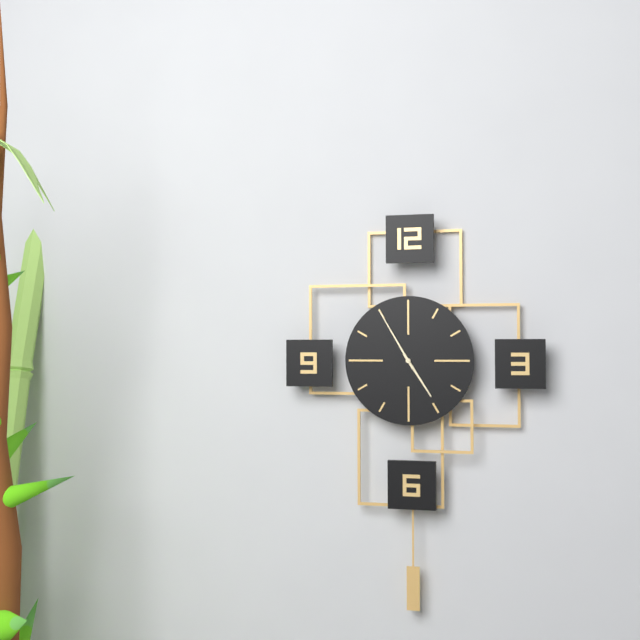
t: h=4 m=55
